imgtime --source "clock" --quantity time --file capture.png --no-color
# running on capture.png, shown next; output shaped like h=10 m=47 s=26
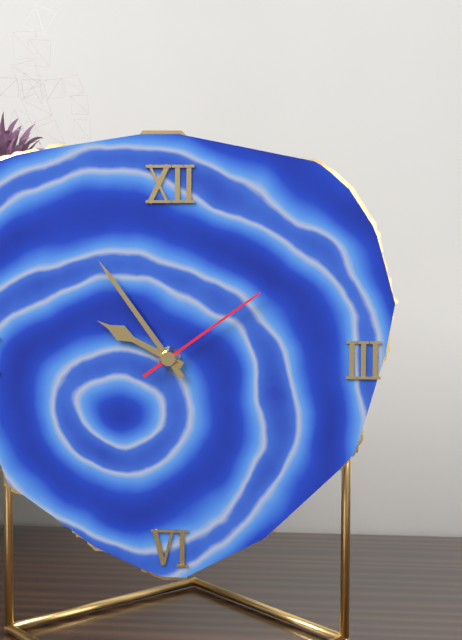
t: h=9 m=54 s=9
